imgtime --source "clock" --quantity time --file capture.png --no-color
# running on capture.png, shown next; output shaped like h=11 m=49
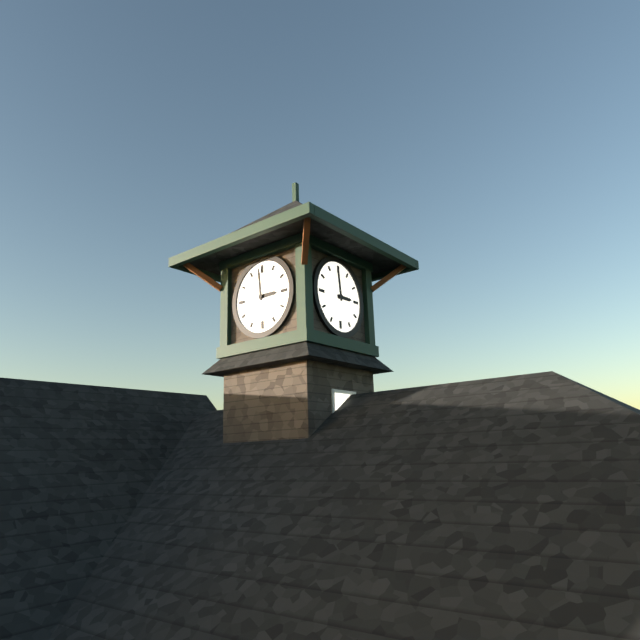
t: h=2 m=59
